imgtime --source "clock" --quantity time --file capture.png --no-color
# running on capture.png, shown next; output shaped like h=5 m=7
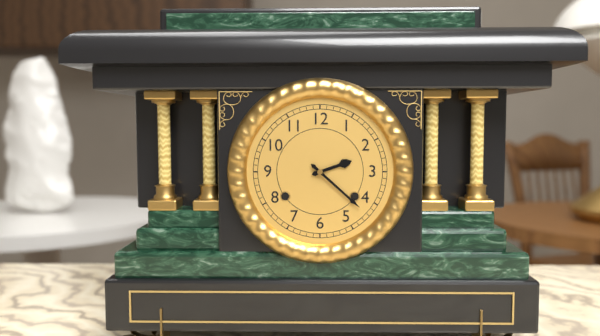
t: h=2 m=22
